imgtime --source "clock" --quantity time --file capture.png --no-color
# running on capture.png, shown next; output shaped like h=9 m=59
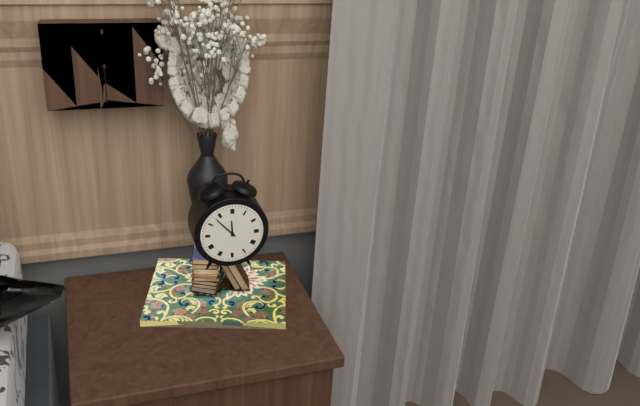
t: h=11 m=53
